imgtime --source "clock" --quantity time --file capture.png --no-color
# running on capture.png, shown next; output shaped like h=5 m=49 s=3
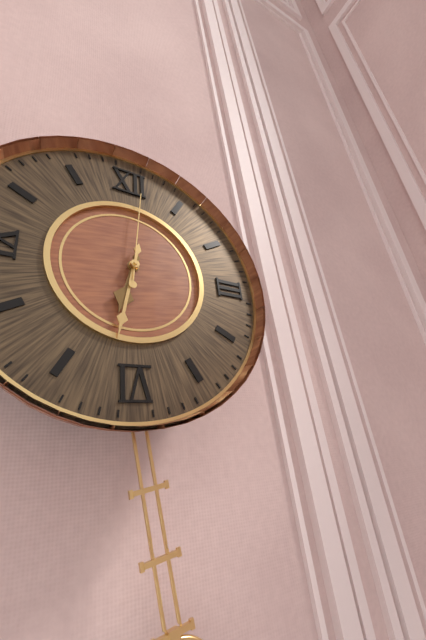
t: h=6 m=32 s=1
